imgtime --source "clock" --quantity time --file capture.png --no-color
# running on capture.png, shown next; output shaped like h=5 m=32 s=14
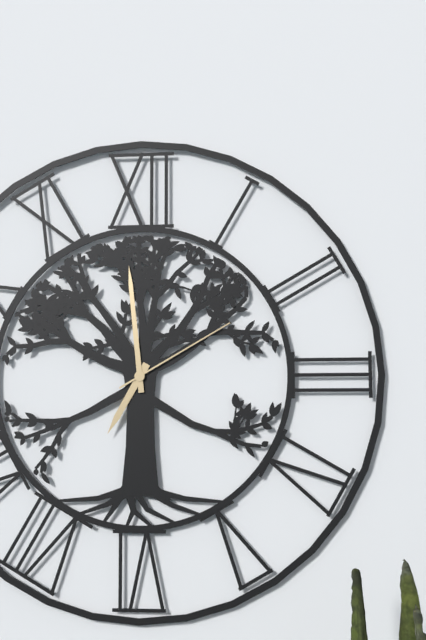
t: h=6 m=59 s=10
